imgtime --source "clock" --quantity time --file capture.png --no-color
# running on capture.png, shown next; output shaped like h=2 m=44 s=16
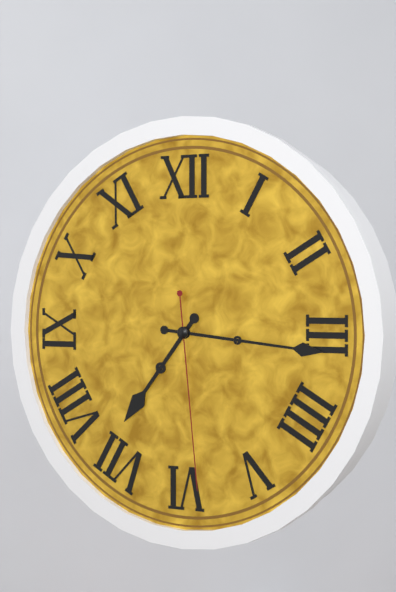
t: h=7 m=16 s=29
